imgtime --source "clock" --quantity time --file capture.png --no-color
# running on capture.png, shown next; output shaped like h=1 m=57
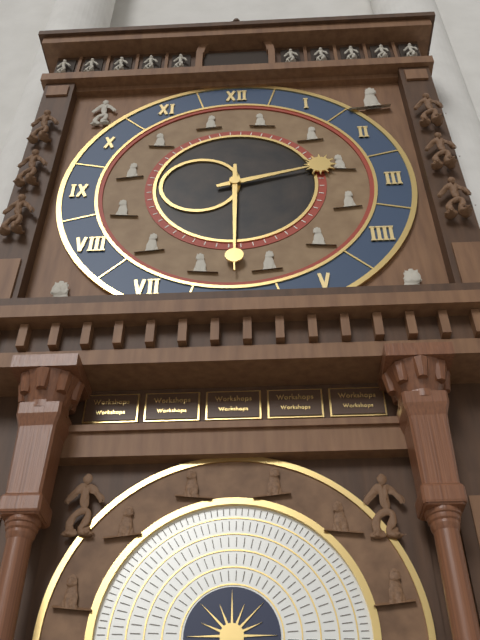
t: h=2 m=30
